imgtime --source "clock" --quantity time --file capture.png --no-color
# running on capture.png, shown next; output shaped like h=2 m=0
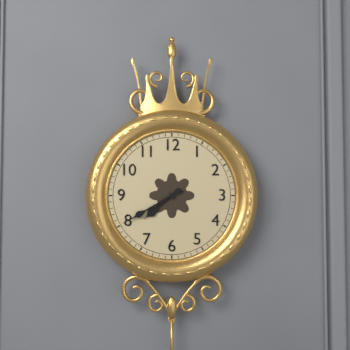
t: h=7 m=40
